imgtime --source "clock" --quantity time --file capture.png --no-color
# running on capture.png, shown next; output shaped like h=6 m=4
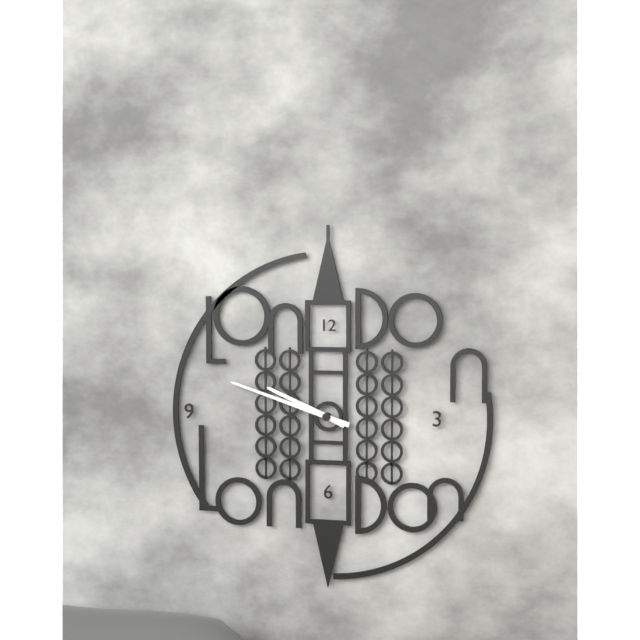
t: h=9 m=48
